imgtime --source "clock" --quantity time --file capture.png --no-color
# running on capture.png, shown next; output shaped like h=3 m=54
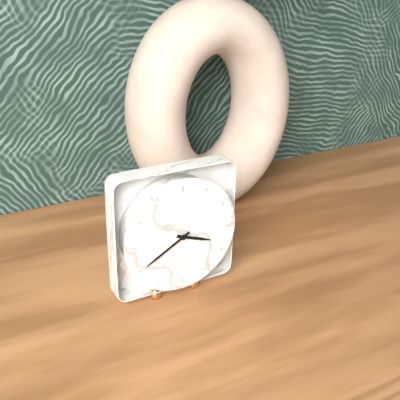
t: h=3 m=40
